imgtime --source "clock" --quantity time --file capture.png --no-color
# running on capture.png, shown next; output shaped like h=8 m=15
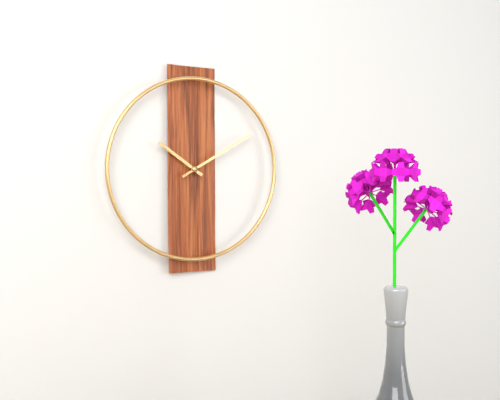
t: h=10 m=10
